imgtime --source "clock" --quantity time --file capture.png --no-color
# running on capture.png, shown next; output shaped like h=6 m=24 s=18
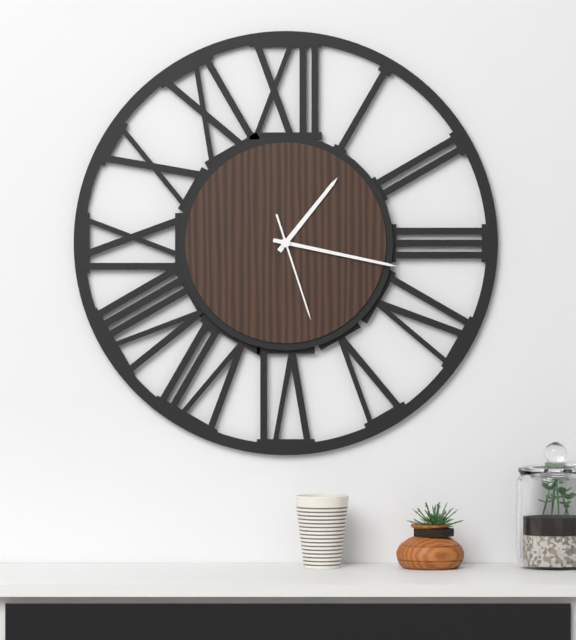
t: h=1 m=17 s=27
